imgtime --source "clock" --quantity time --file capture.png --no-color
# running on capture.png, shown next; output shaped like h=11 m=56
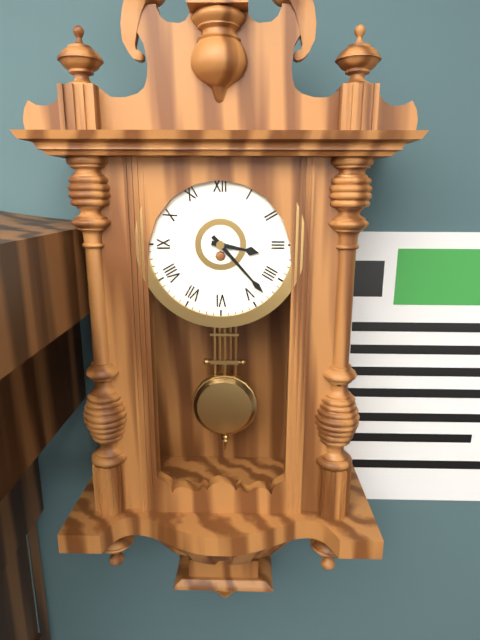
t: h=3 m=23
